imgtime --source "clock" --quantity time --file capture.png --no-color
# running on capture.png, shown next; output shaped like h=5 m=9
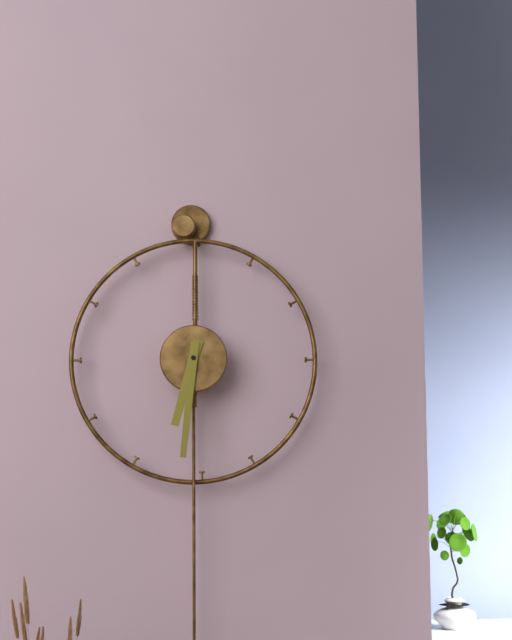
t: h=6 m=31
